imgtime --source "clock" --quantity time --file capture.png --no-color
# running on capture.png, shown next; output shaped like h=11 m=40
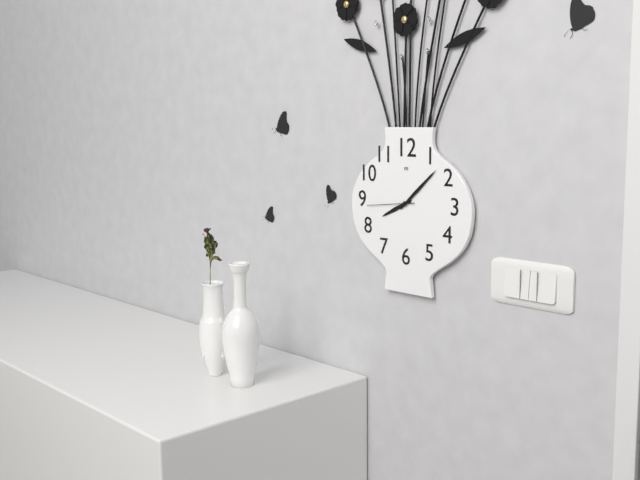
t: h=8 m=8
